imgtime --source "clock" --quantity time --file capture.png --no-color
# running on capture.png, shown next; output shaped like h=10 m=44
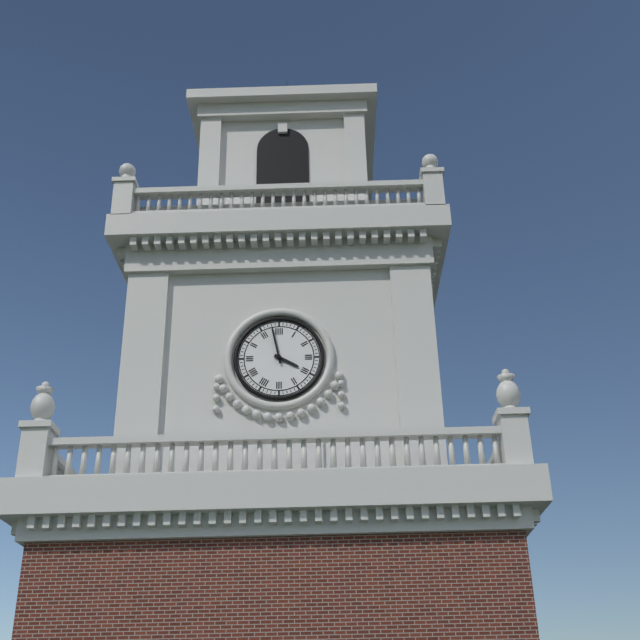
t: h=3 m=58
